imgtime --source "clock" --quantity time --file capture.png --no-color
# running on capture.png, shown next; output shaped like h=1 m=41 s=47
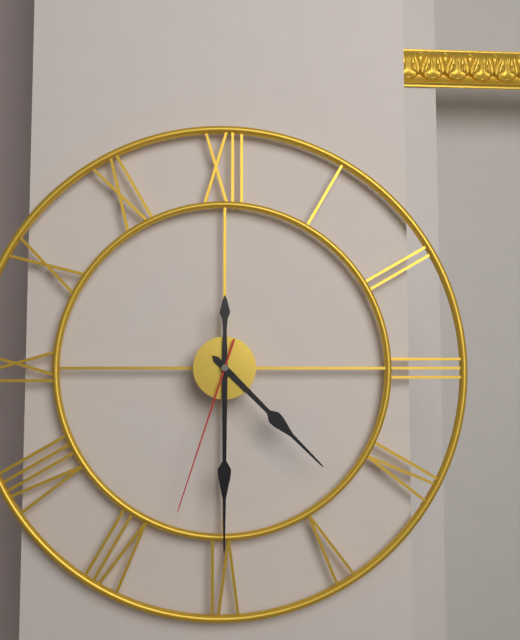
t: h=4 m=30 s=33
